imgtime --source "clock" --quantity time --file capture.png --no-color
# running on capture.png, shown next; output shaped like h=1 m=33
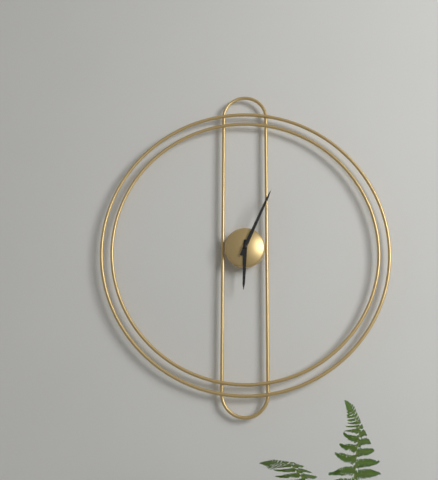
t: h=6 m=4
